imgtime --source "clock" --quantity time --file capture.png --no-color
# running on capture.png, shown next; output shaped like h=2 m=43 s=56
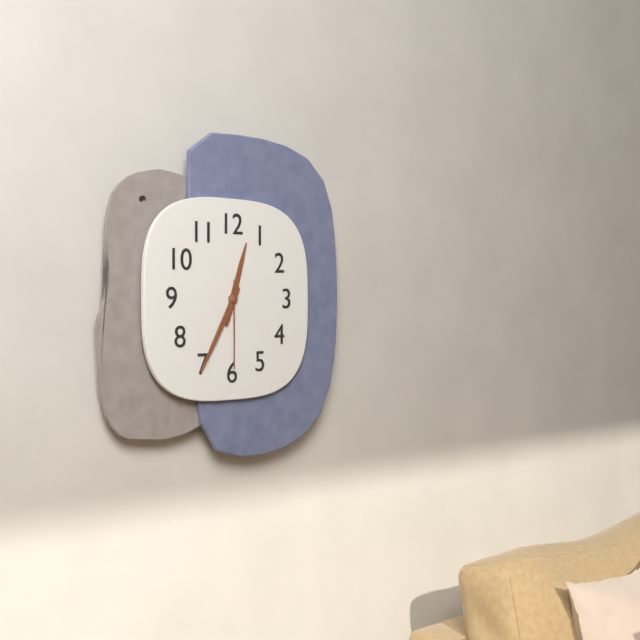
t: h=12 m=35 s=30
